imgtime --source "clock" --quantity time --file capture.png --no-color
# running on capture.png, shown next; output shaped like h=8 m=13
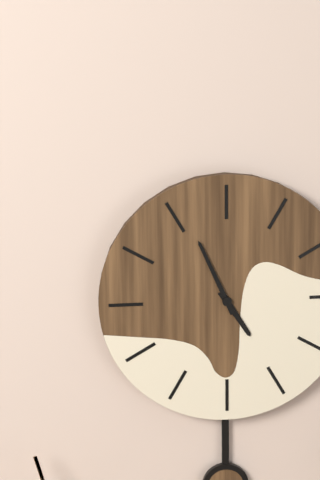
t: h=4 m=56
